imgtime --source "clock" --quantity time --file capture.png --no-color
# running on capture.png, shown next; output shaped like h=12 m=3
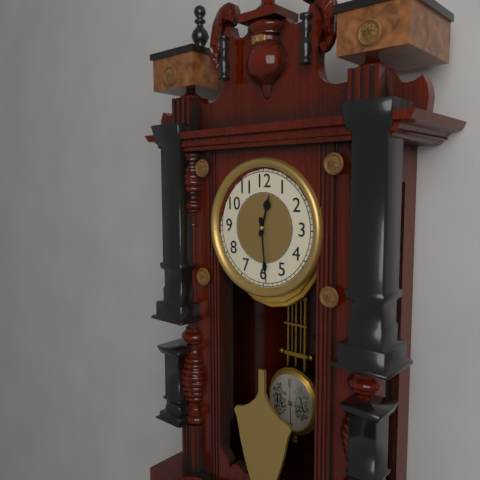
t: h=12 m=29
